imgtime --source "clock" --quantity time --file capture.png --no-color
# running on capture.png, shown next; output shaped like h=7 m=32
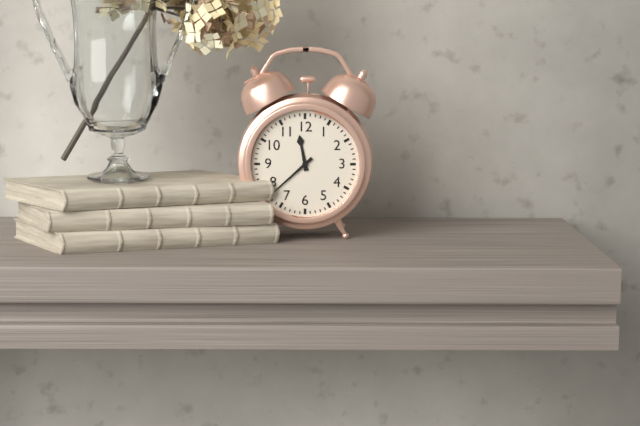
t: h=11 m=38
